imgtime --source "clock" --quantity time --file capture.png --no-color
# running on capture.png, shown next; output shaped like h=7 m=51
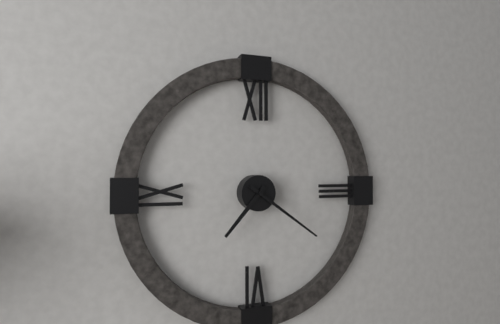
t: h=7 m=21
